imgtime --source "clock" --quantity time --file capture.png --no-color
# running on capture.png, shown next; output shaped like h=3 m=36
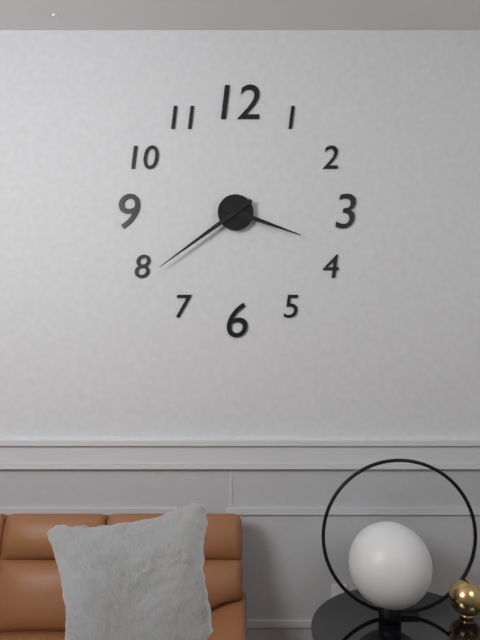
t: h=3 m=39
